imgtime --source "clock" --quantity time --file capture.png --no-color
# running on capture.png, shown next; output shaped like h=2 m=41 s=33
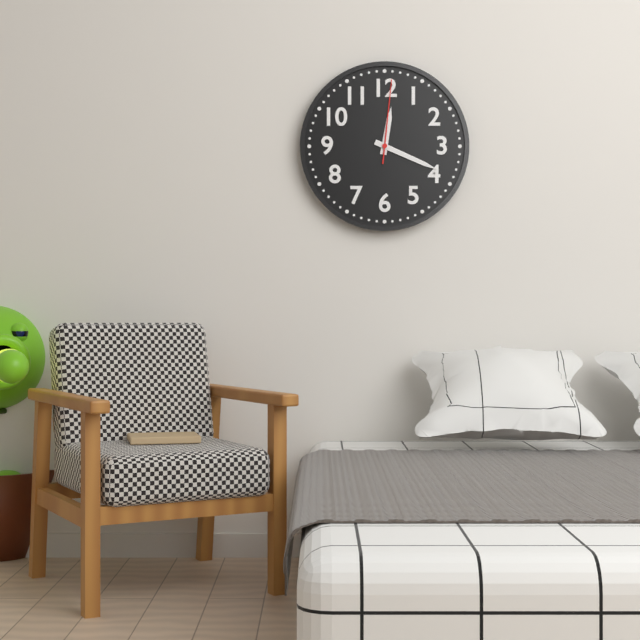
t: h=12 m=19 s=1
